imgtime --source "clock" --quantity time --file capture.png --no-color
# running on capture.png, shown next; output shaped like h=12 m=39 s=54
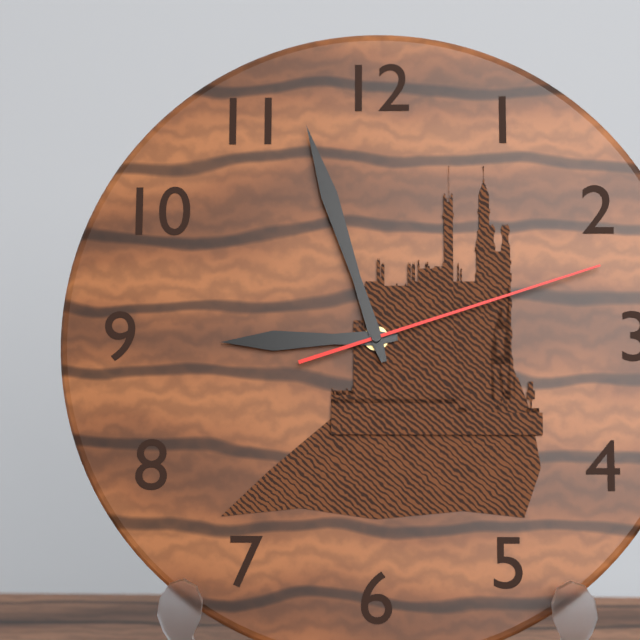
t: h=8 m=57 s=12
